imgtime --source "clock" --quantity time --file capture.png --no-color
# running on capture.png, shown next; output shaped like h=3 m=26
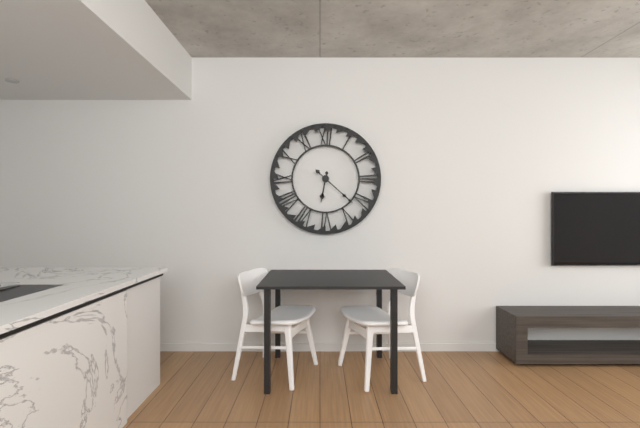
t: h=6 m=22
